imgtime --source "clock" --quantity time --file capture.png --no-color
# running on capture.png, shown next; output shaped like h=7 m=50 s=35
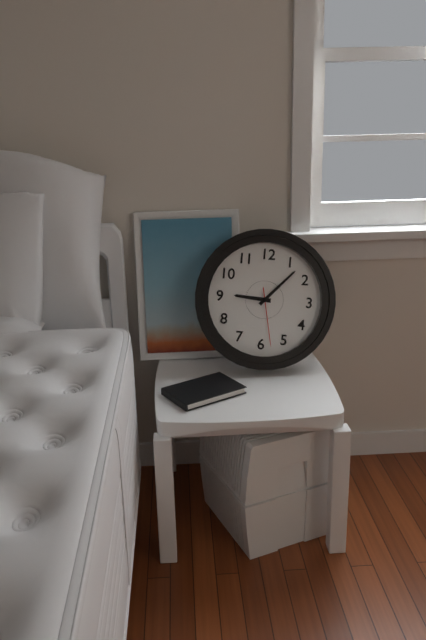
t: h=9 m=7 s=28
